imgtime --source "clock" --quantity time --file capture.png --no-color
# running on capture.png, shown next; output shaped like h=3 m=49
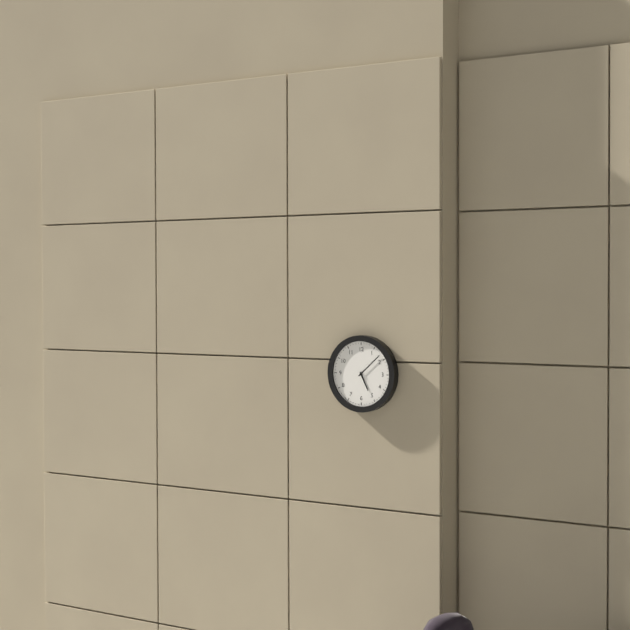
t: h=5 m=8
